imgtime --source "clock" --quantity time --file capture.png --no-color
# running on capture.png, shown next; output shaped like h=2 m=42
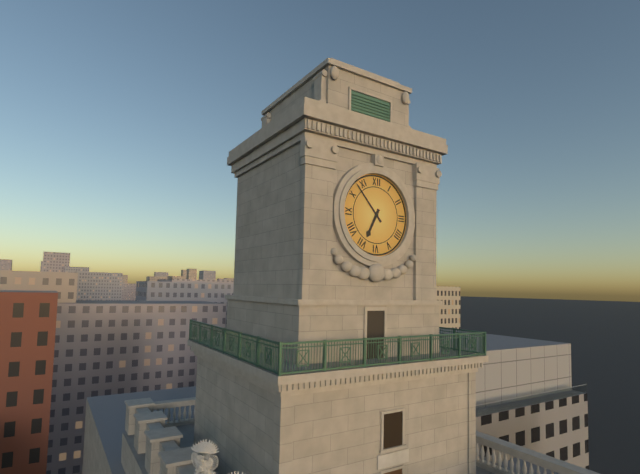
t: h=6 m=53
